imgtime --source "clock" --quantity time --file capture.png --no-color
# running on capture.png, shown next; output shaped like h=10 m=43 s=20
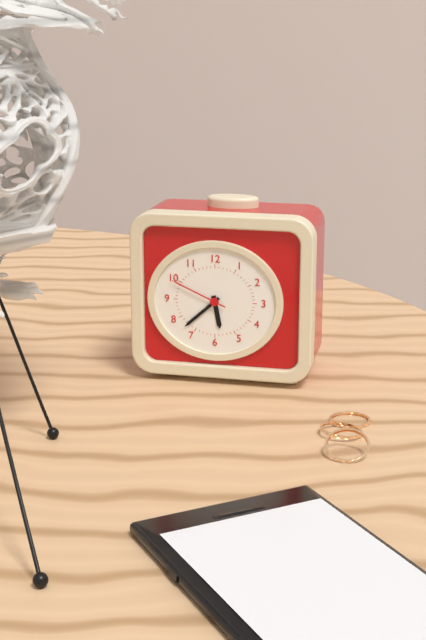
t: h=5 m=38 s=49
